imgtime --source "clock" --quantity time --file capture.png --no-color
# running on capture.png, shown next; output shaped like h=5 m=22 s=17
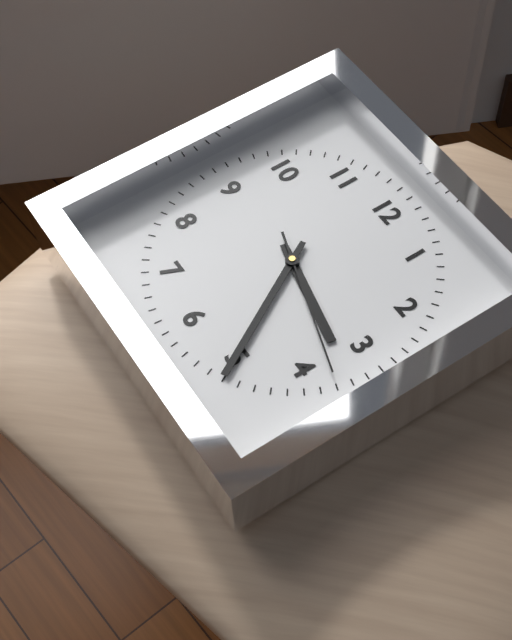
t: h=3 m=25 s=18
